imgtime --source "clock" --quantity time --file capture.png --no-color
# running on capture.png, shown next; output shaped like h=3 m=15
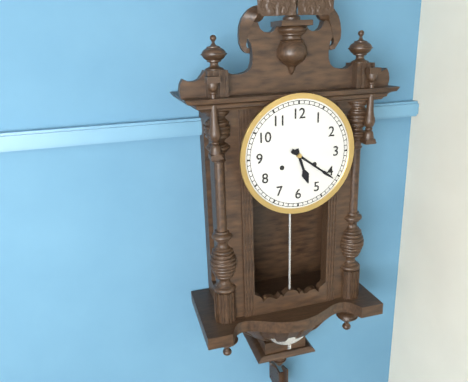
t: h=5 m=21
